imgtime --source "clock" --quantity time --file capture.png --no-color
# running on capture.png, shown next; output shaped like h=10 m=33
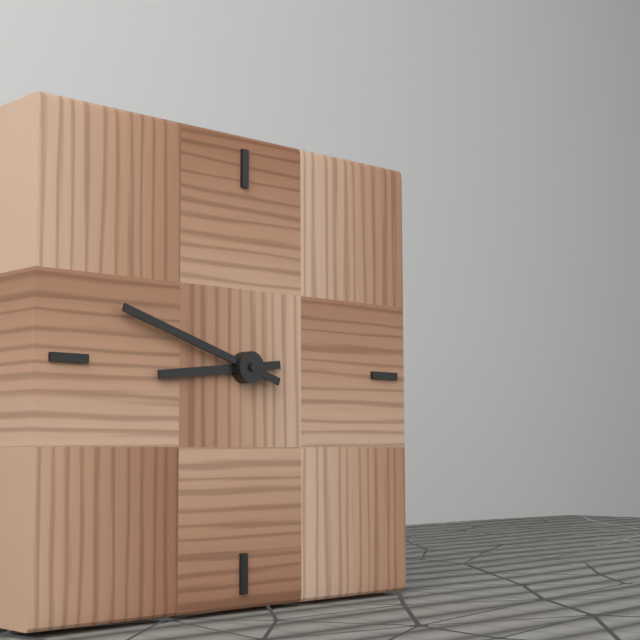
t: h=8 m=48
